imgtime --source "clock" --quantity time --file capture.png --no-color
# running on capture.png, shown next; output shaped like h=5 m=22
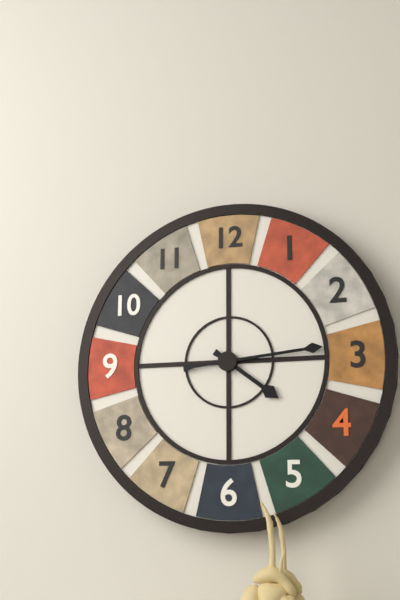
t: h=4 m=14
